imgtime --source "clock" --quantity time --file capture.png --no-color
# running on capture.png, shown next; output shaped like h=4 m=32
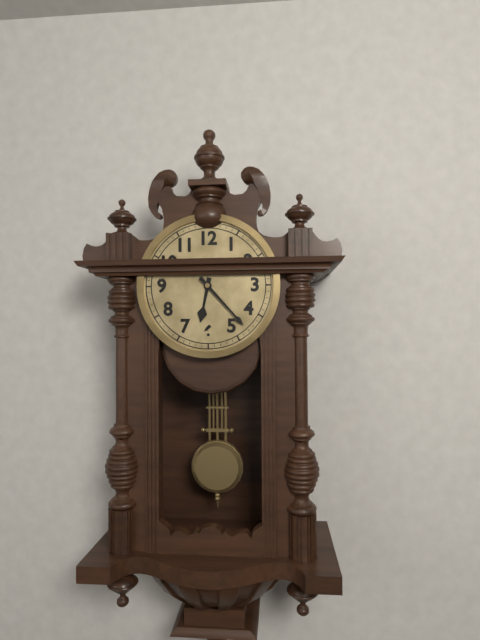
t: h=6 m=23
